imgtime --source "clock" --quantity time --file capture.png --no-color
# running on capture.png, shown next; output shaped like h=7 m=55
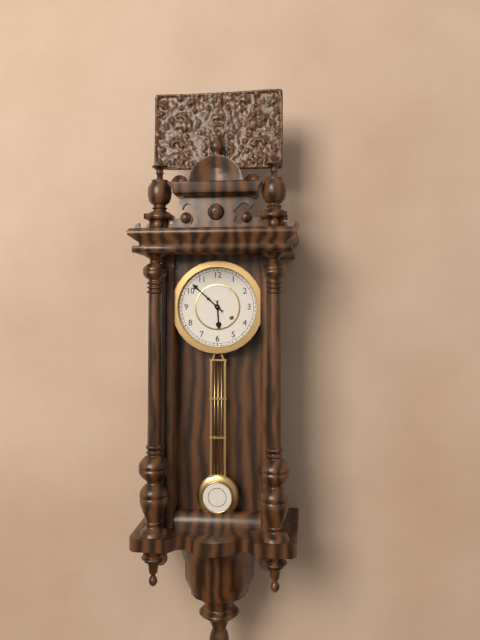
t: h=5 m=52
